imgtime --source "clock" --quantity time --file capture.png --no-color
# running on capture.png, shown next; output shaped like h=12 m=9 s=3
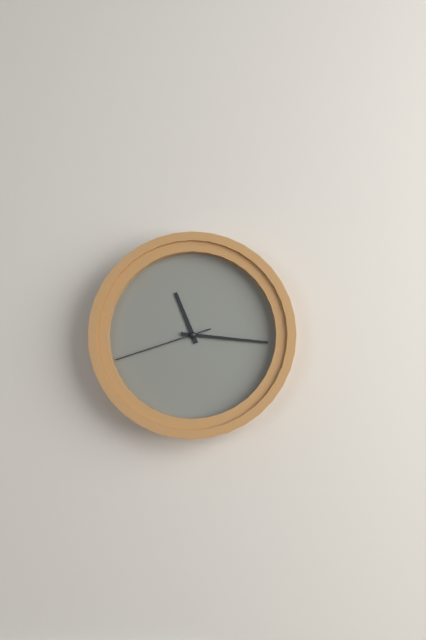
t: h=11 m=16 s=42
